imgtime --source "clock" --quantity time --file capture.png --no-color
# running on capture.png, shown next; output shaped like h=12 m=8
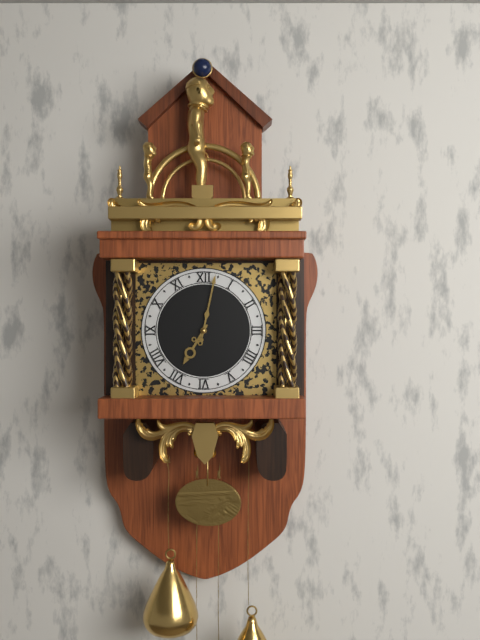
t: h=7 m=2
